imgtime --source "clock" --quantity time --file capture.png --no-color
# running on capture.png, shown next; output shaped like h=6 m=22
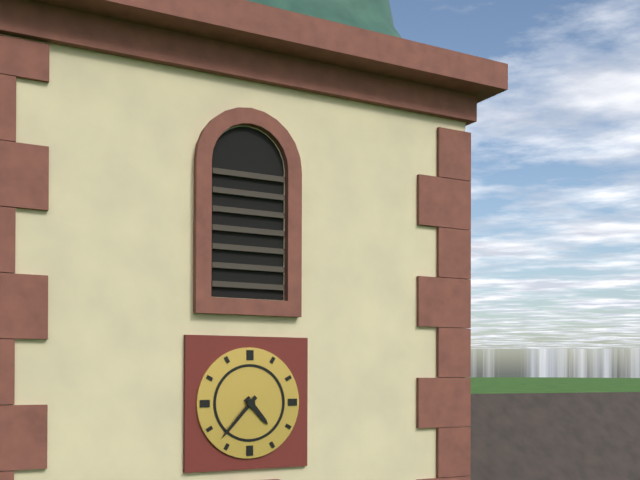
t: h=4 m=37
